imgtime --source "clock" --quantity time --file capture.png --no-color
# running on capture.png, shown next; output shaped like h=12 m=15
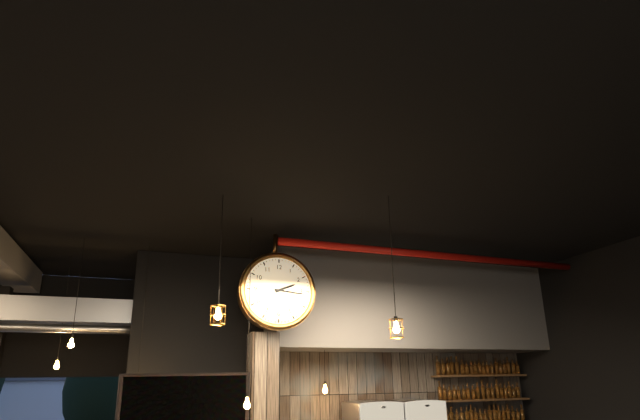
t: h=2 m=16
